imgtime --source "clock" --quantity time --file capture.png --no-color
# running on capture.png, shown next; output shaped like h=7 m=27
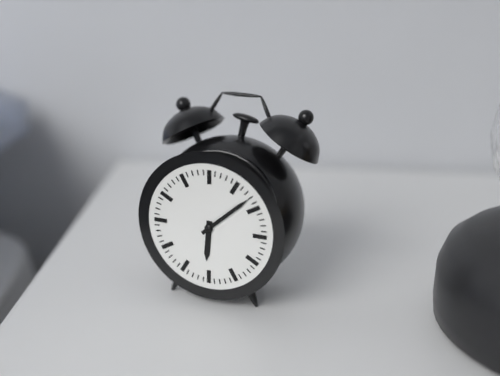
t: h=6 m=8
